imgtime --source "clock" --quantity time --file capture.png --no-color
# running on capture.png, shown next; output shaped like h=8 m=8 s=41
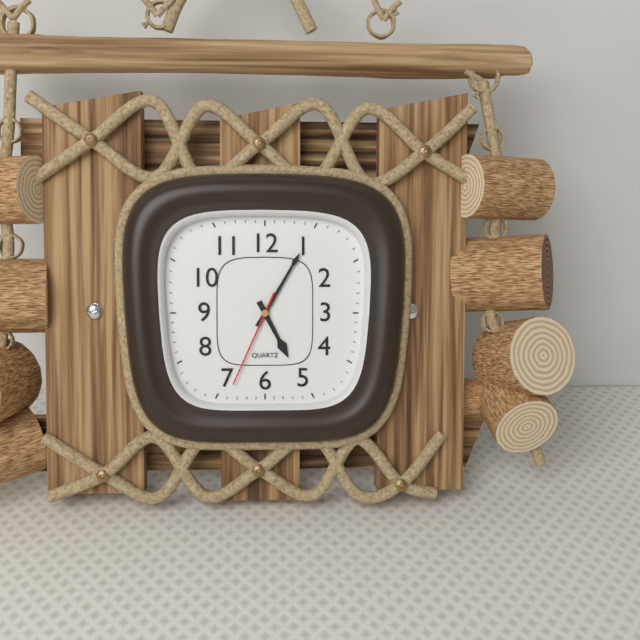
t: h=5 m=5 s=34
